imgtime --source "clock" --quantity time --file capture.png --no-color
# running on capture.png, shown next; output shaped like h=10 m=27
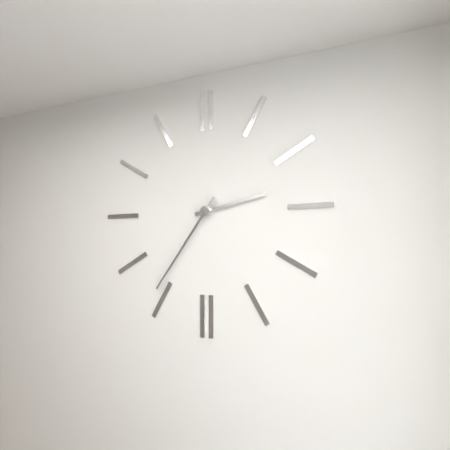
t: h=2 m=36
